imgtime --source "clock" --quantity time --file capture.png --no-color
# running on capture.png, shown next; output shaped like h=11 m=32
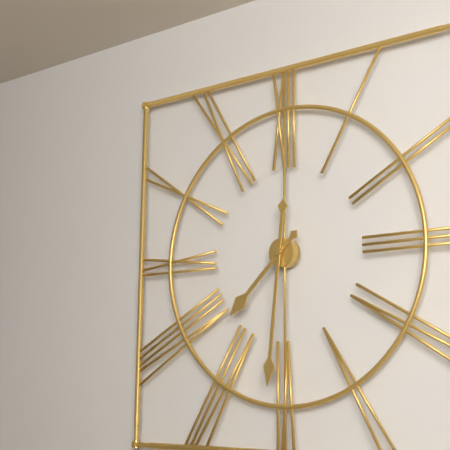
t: h=7 m=31
